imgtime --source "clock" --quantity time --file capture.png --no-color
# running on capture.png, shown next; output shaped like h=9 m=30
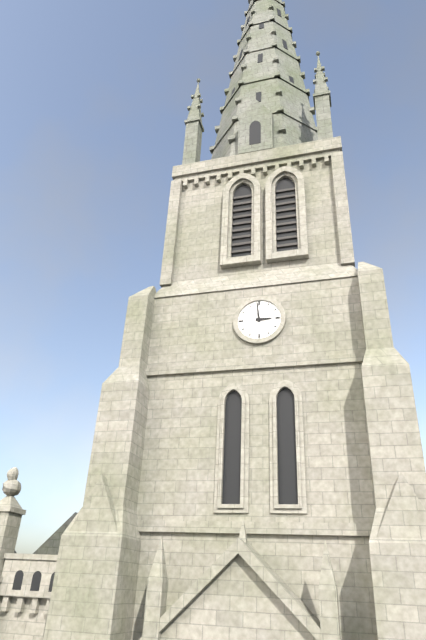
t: h=2 m=59
